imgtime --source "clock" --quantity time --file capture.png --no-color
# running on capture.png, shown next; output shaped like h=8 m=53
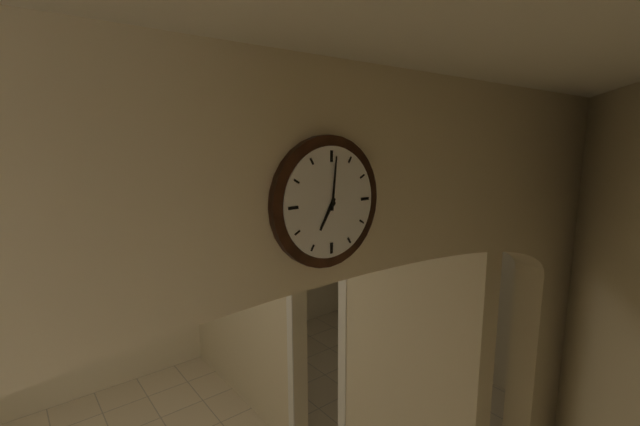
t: h=7 m=1
